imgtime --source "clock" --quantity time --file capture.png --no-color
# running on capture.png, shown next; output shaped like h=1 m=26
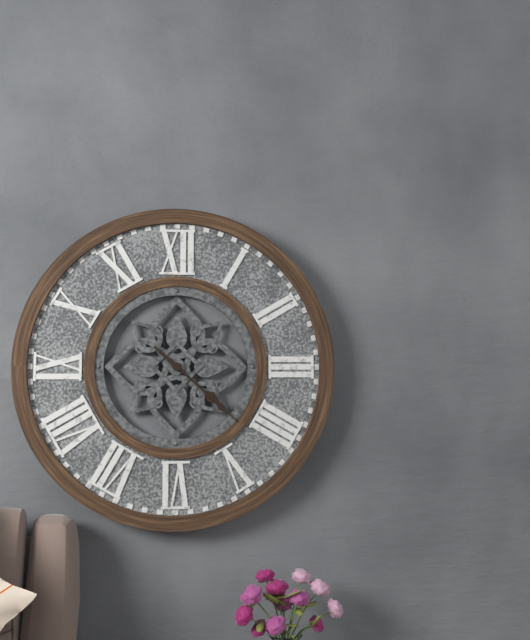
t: h=4 m=22
